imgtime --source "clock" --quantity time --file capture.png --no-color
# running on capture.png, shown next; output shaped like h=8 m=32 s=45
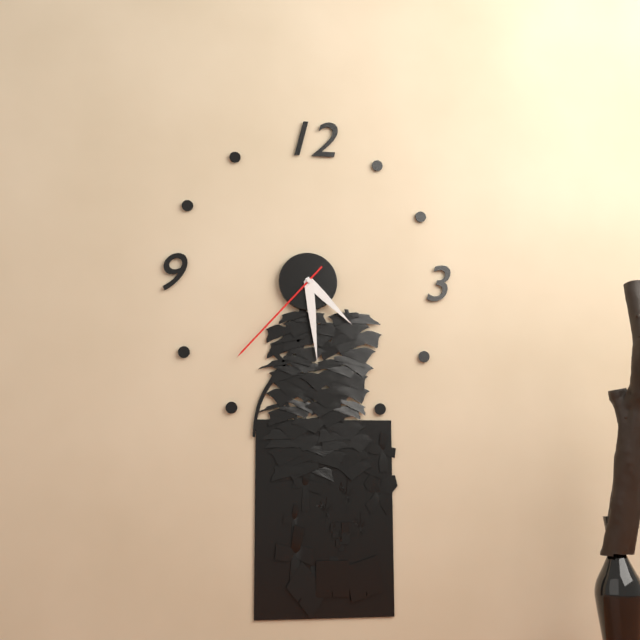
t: h=4 m=29 s=37
